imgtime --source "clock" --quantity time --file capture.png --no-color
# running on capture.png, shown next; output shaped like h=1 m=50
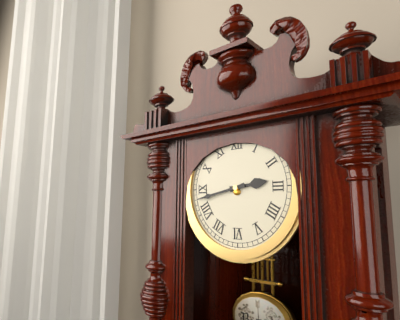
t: h=2 m=43
